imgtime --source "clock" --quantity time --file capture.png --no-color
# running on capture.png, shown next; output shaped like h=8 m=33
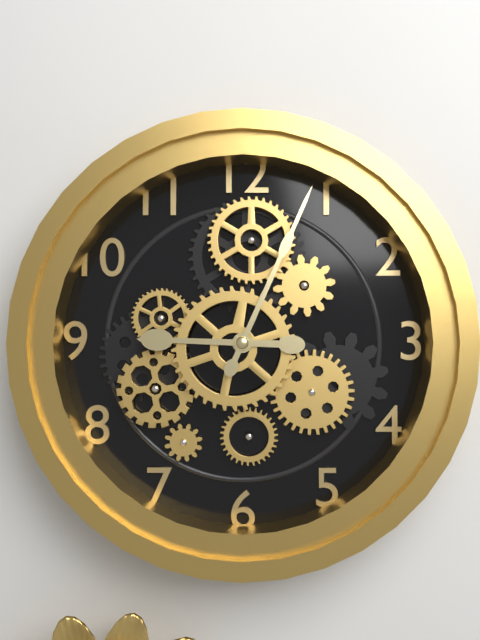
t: h=9 m=4
